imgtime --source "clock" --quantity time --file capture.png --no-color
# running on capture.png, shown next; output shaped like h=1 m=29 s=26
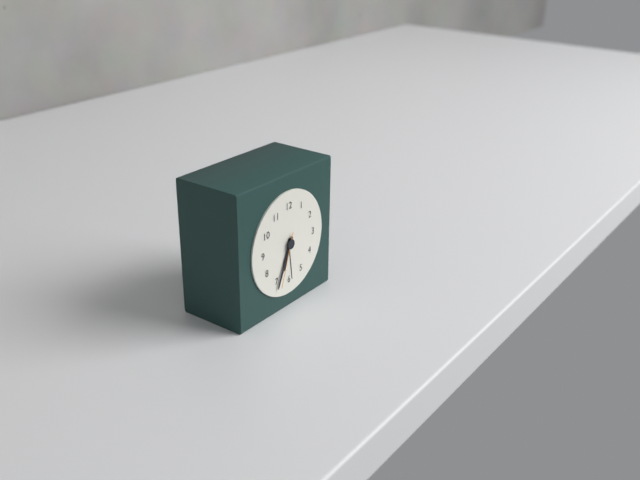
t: h=6 m=34 s=33
